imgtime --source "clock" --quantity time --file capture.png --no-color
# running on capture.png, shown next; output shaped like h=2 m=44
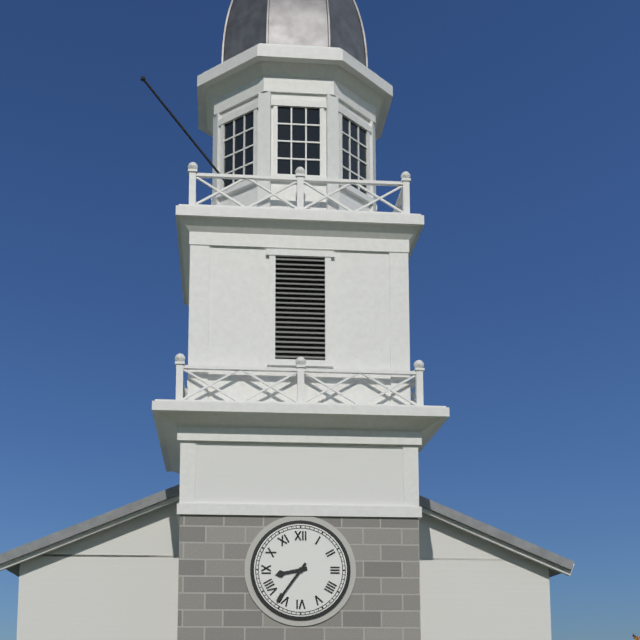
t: h=8 m=36
